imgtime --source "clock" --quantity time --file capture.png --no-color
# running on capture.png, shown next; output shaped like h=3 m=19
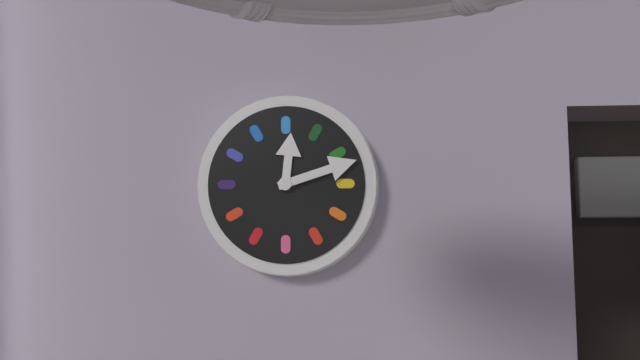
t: h=12 m=12
